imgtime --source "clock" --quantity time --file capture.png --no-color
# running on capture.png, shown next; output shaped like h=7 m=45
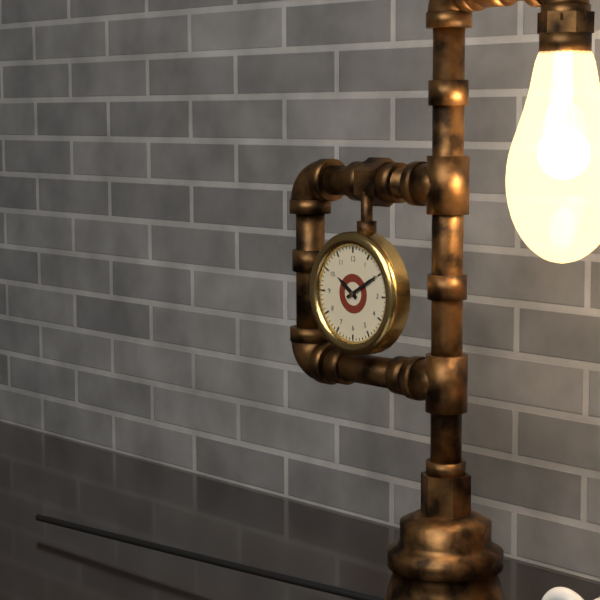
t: h=10 m=10
